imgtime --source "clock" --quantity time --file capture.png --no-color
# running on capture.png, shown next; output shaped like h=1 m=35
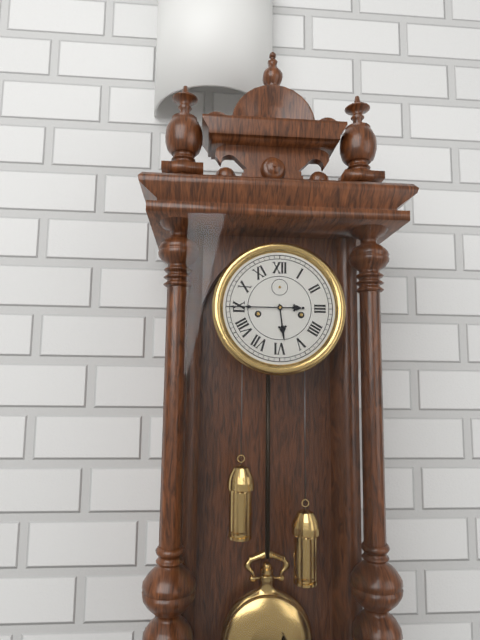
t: h=5 m=45
